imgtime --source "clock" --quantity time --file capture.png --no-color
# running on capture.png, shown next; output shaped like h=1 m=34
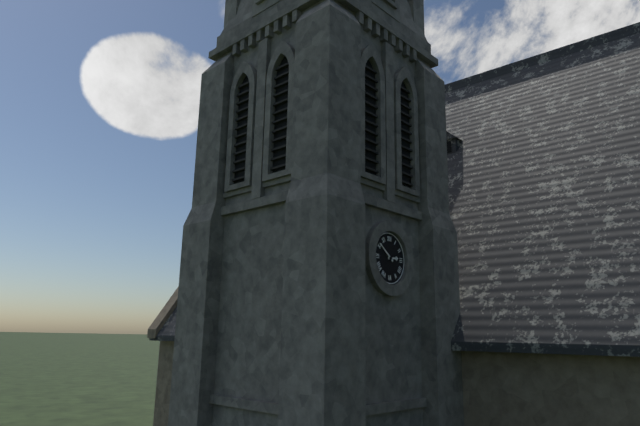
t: h=2 m=51
